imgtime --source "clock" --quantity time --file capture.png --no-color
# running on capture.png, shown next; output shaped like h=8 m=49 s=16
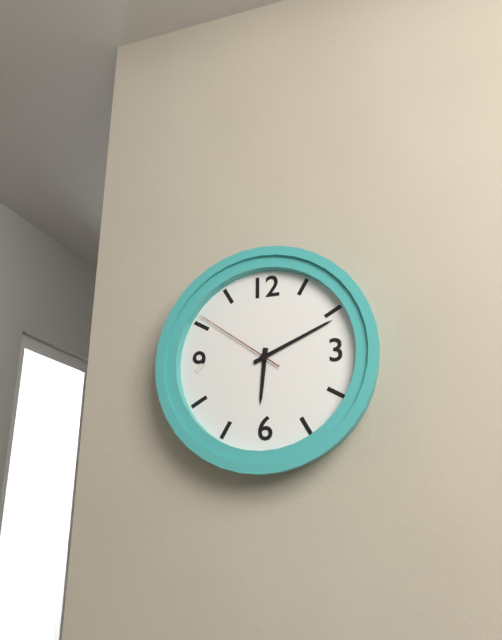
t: h=6 m=11 s=51
